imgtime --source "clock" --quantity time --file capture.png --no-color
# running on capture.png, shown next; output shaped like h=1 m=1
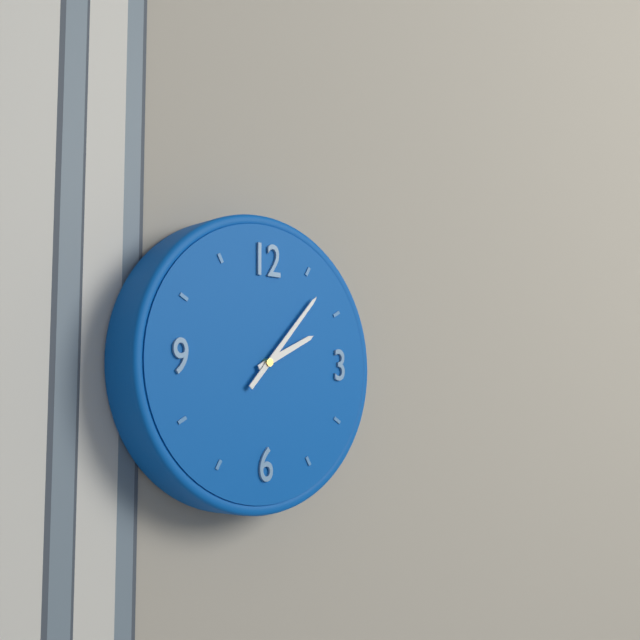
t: h=2 m=7
